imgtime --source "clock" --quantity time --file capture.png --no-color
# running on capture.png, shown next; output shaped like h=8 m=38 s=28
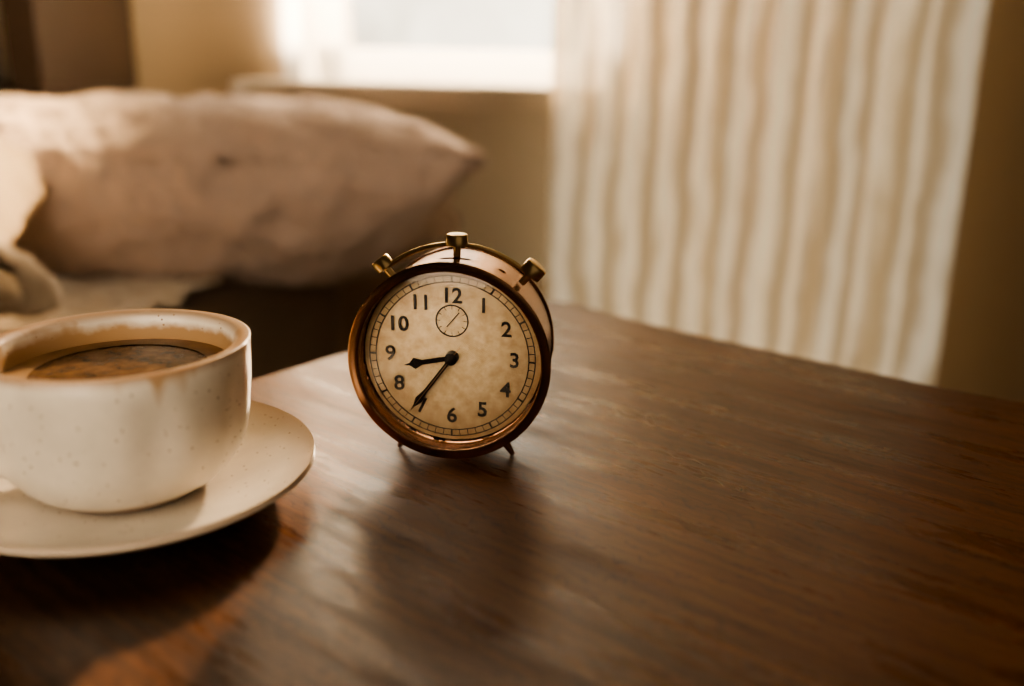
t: h=8 m=36 s=36
